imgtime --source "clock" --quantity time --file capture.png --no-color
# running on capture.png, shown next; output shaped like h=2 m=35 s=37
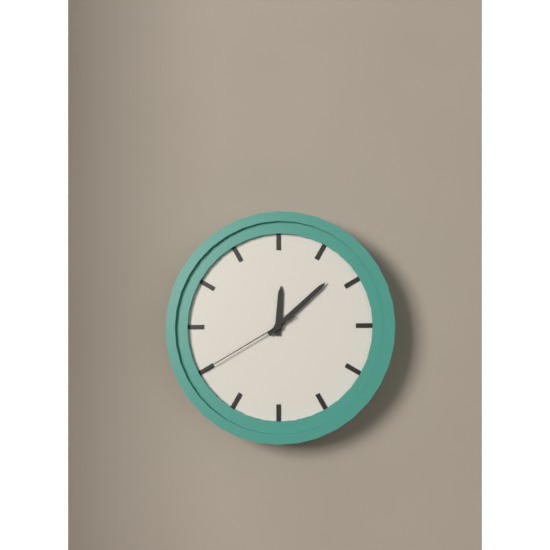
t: h=12 m=8 s=40
